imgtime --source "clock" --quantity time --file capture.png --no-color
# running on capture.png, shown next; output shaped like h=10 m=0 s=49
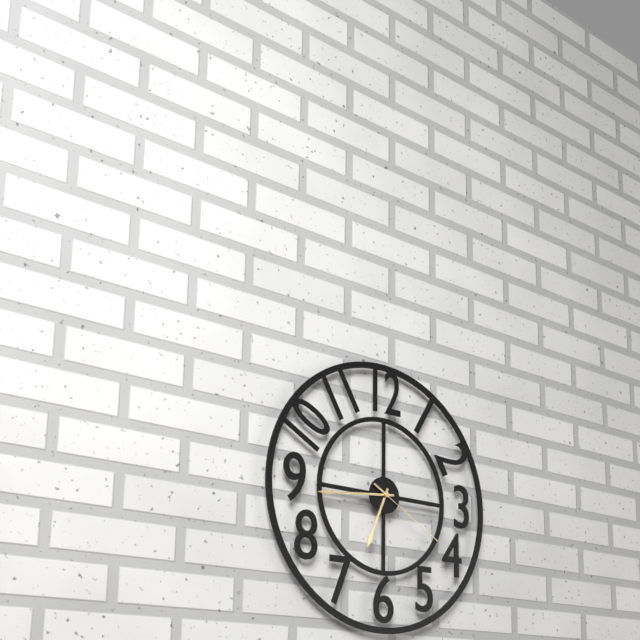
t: h=6 m=44 s=20
